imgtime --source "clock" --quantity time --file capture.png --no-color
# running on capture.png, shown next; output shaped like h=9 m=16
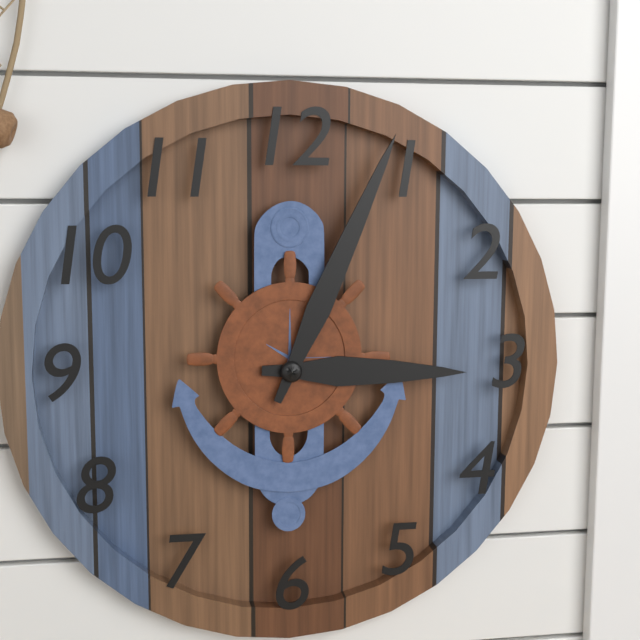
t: h=3 m=4
